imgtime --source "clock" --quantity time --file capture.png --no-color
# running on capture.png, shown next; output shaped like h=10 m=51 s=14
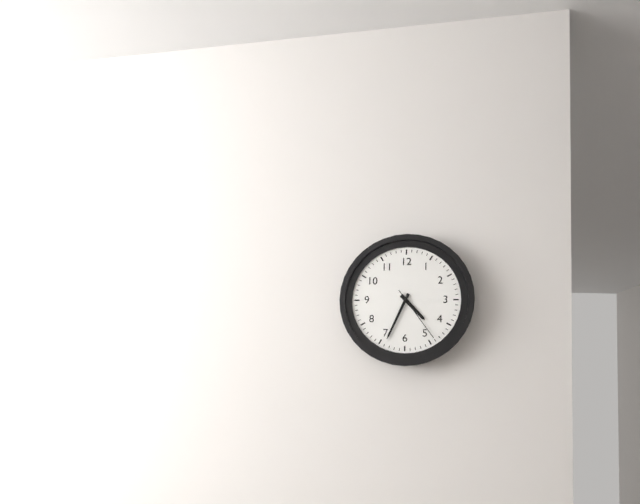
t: h=4 m=34 s=24
